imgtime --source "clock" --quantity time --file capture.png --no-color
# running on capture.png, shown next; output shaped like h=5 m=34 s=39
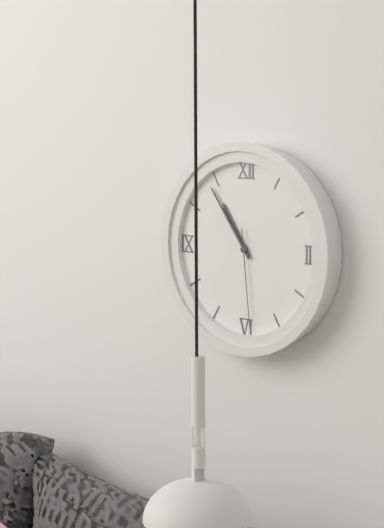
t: h=10 m=54 s=29
